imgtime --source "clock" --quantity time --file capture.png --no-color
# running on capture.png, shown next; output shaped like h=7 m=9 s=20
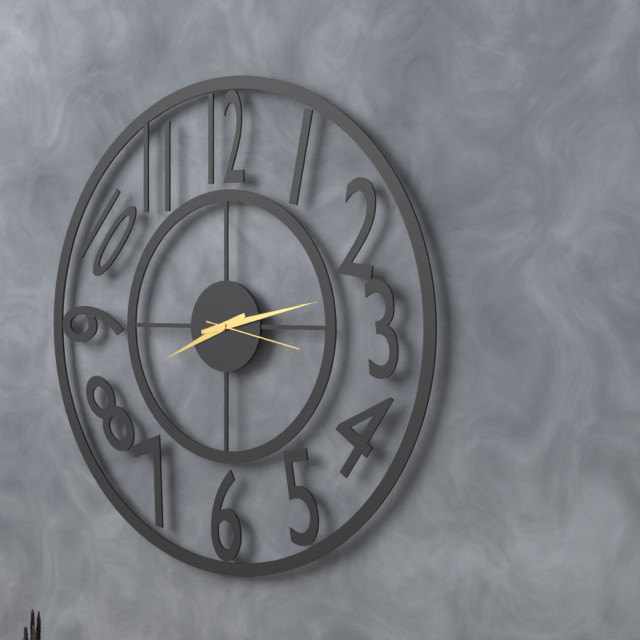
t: h=8 m=13 s=17
